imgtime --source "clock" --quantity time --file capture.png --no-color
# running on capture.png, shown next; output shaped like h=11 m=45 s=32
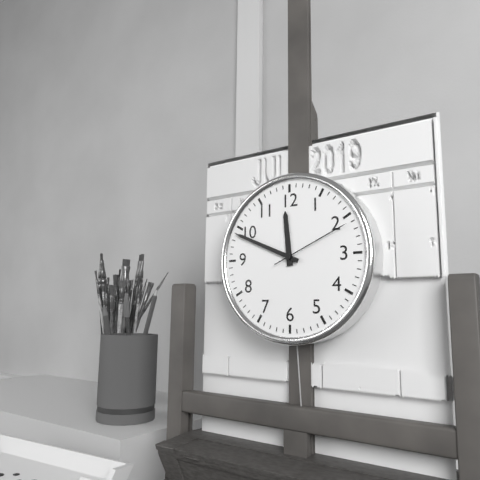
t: h=11 m=49 s=11
